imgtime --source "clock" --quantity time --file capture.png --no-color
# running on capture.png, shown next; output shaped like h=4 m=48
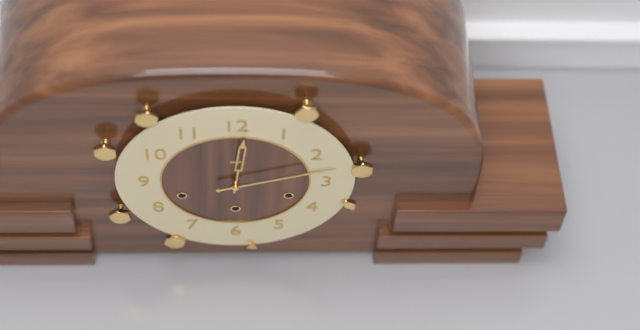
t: h=12 m=12
